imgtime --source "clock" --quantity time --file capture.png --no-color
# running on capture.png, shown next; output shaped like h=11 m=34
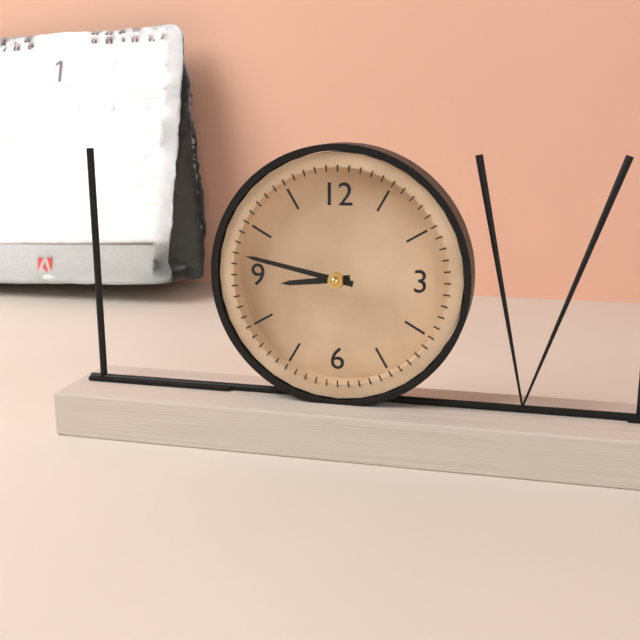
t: h=8 m=47
